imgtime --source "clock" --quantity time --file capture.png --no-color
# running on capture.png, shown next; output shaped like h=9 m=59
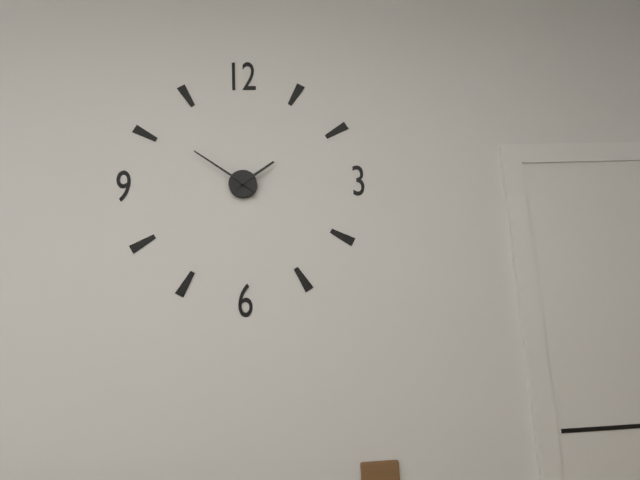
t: h=1 m=51
